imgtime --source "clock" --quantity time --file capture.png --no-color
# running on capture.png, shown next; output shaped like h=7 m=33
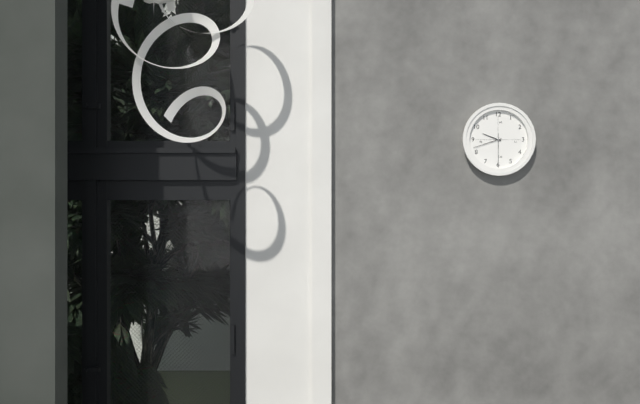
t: h=9 m=42
